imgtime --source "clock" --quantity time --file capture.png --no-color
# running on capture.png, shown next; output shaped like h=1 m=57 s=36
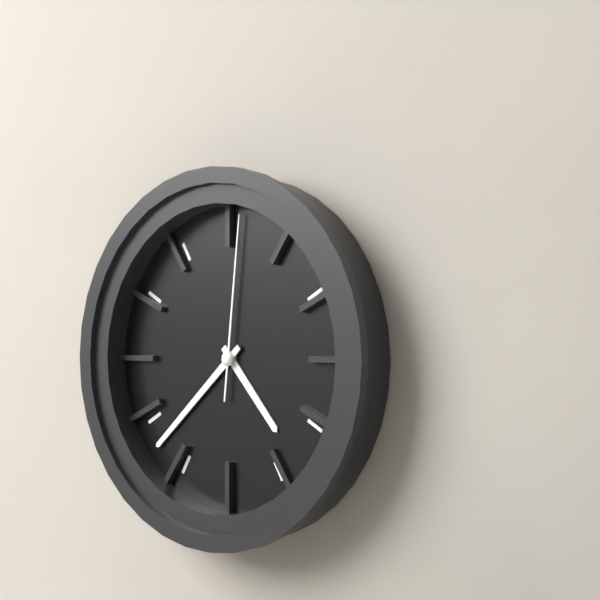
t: h=4 m=38 s=1
